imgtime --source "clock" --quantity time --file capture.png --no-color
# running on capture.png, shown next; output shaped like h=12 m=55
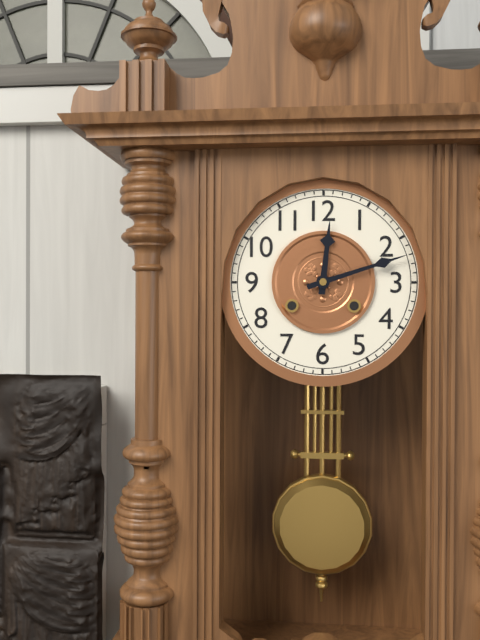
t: h=12 m=12
